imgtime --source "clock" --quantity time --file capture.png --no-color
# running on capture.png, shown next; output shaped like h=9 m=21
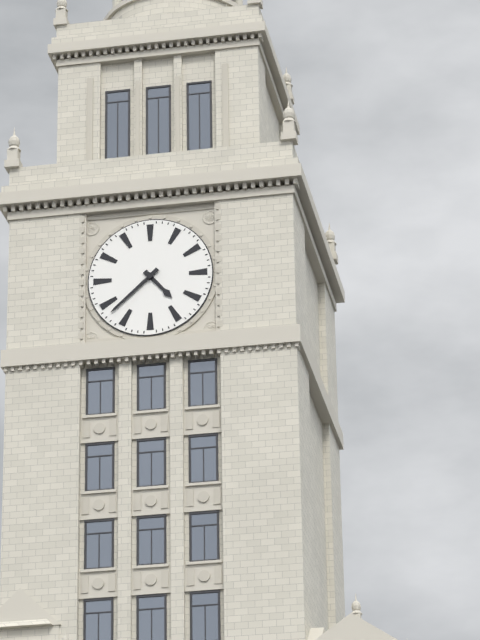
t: h=4 m=38
